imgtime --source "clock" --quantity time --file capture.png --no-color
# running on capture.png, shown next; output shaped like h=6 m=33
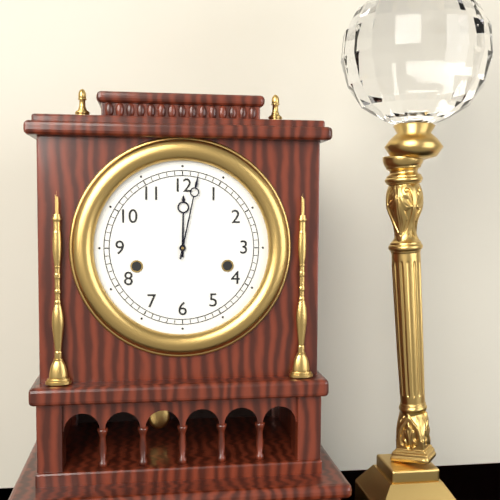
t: h=12 m=2
